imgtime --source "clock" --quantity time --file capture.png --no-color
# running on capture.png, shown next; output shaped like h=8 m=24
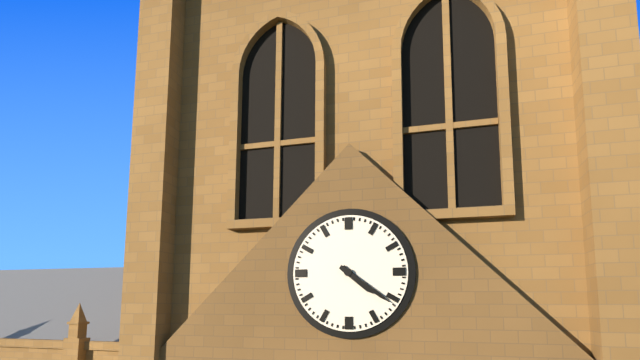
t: h=4 m=21
